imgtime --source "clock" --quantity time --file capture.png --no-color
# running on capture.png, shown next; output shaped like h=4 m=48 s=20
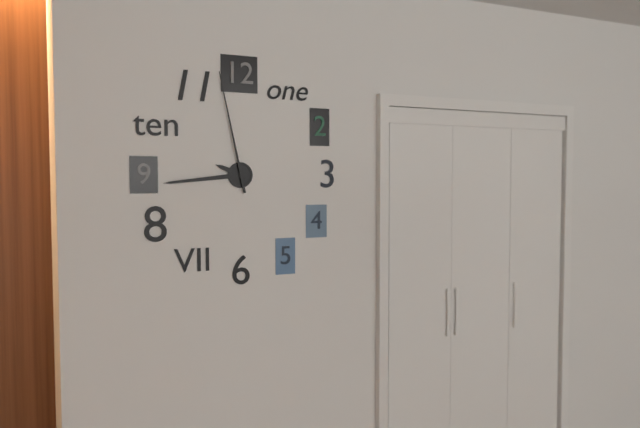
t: h=9 m=44 s=58
